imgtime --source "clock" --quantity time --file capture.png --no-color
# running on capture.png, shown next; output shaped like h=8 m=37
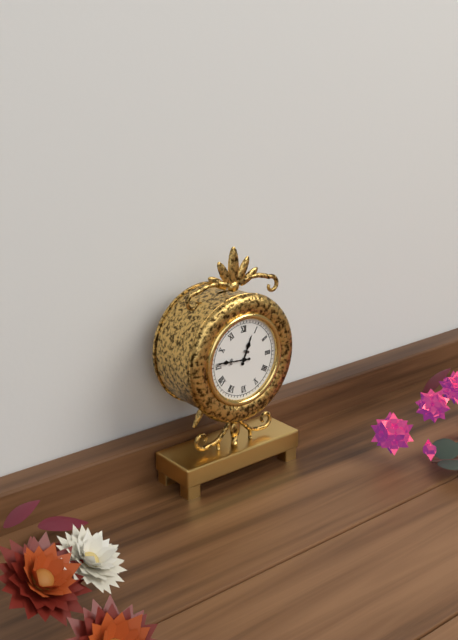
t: h=12 m=46
